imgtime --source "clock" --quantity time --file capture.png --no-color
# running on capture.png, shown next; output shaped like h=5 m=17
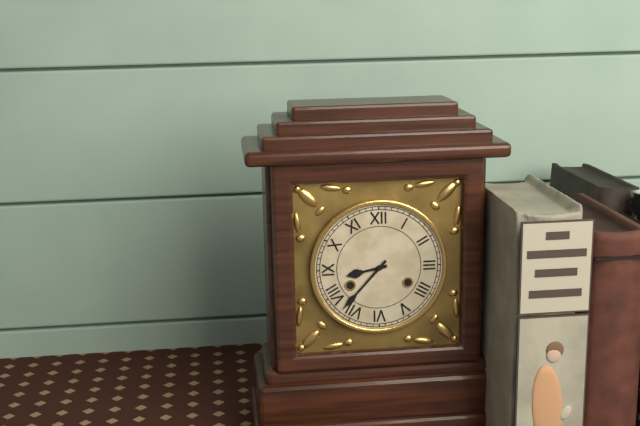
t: h=8 m=37
